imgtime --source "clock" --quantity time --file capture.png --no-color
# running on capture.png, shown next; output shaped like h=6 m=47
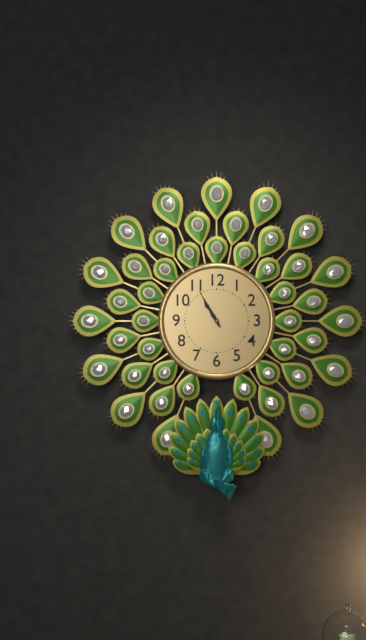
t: h=10 m=55
